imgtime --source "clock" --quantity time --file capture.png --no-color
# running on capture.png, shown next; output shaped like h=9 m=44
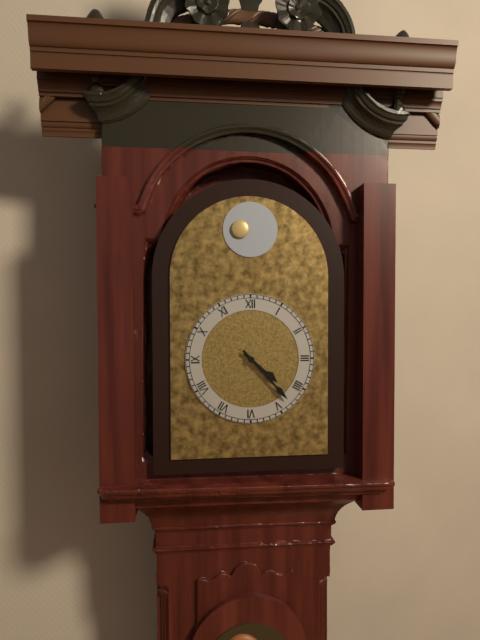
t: h=4 m=23
